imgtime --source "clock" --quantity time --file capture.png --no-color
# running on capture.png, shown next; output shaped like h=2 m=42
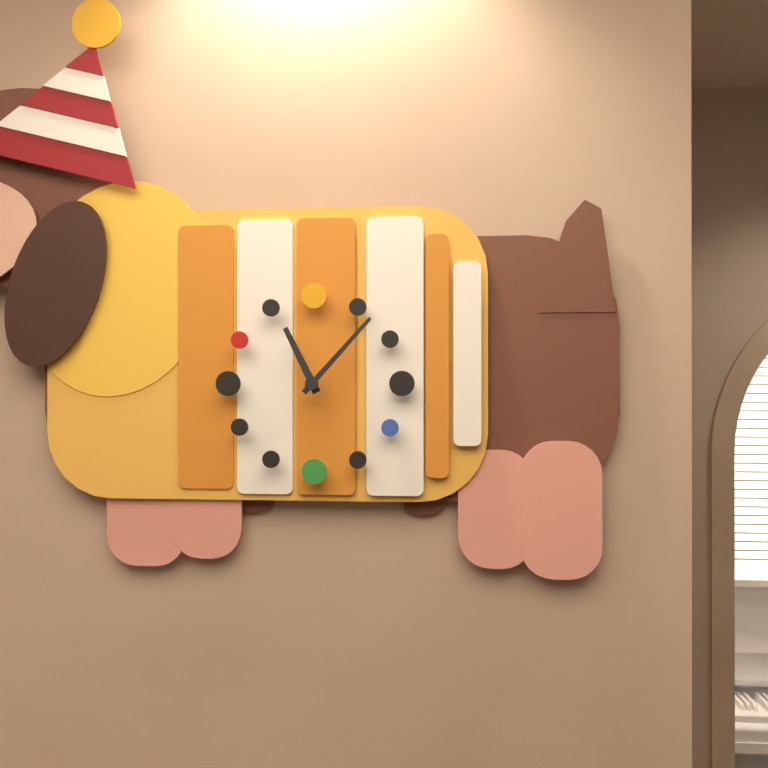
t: h=11 m=7
